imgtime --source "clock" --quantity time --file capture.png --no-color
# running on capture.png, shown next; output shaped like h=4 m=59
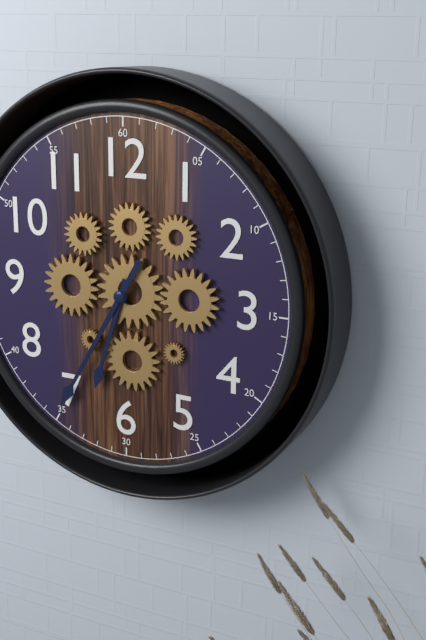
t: h=6 m=35
